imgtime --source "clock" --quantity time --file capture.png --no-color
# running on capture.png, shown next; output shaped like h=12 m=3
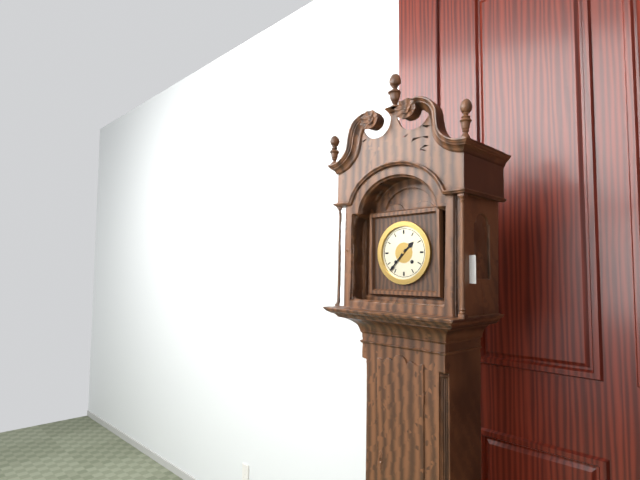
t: h=1 m=37
